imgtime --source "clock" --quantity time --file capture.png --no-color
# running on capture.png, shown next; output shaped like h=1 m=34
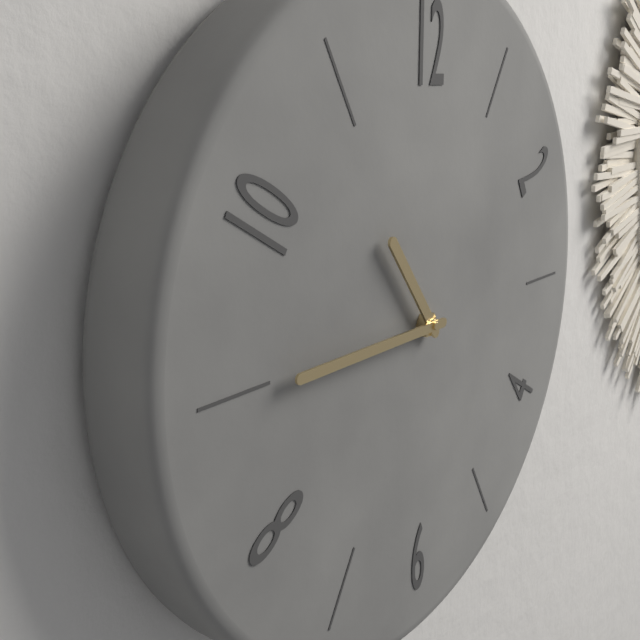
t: h=10 m=45
